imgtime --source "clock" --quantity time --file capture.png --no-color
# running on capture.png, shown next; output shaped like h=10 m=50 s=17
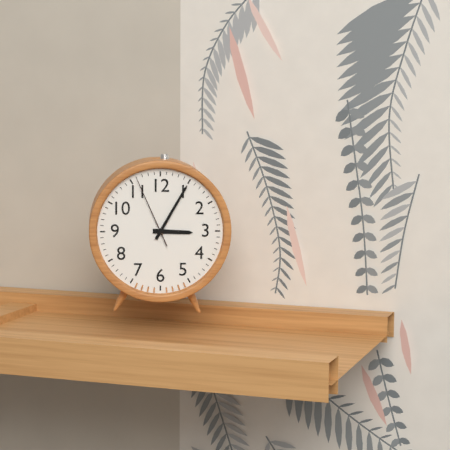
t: h=3 m=5 s=56
